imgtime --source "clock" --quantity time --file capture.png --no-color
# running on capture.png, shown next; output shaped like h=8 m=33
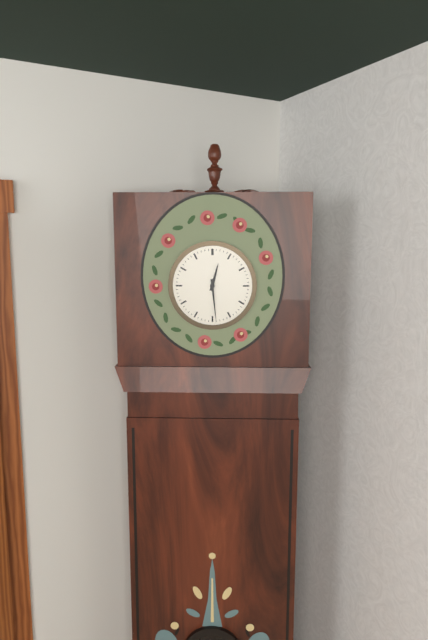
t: h=12 m=29
